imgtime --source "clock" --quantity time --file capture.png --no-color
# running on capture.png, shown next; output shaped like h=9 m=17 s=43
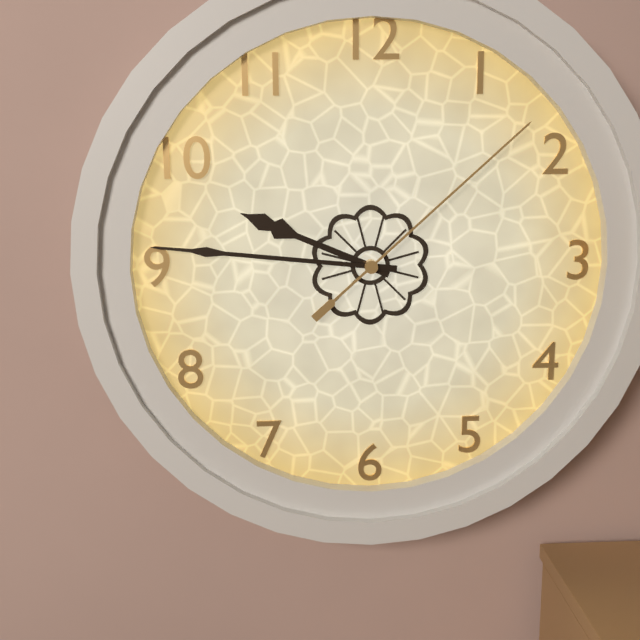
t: h=9 m=46 s=8
